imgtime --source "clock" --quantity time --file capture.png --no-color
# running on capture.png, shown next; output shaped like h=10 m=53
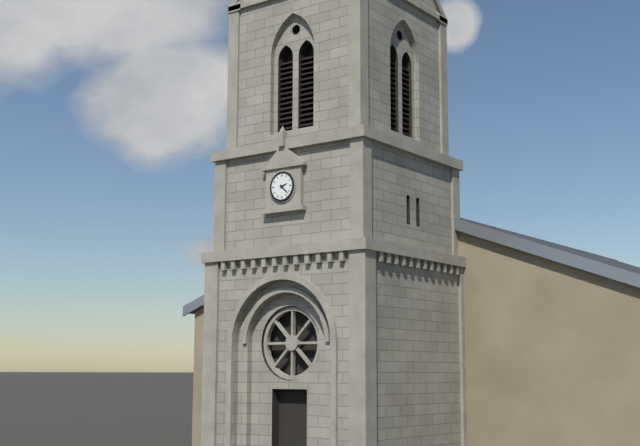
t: h=2 m=22
